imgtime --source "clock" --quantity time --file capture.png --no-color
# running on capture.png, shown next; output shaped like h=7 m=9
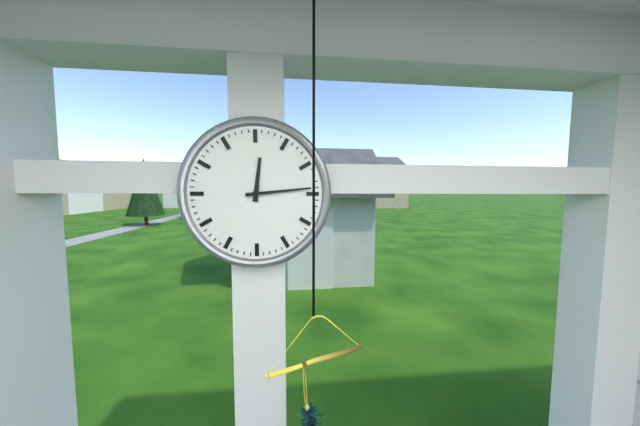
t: h=12 m=14
